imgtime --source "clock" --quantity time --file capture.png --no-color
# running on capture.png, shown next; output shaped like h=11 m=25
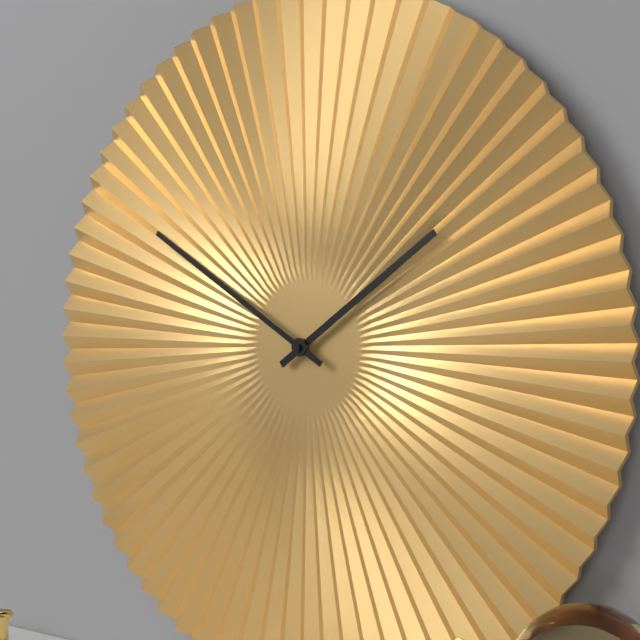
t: h=1 m=50
